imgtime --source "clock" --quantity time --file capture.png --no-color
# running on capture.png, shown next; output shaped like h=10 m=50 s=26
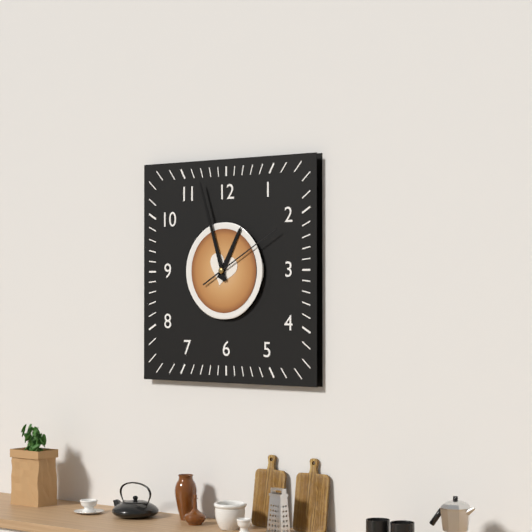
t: h=12 m=57 s=10
